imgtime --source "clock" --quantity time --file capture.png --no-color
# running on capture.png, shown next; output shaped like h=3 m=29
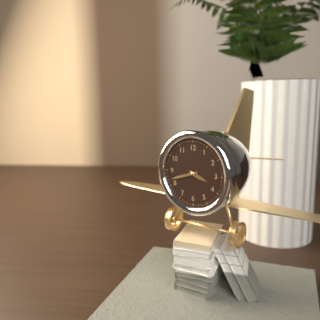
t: h=3 m=42
